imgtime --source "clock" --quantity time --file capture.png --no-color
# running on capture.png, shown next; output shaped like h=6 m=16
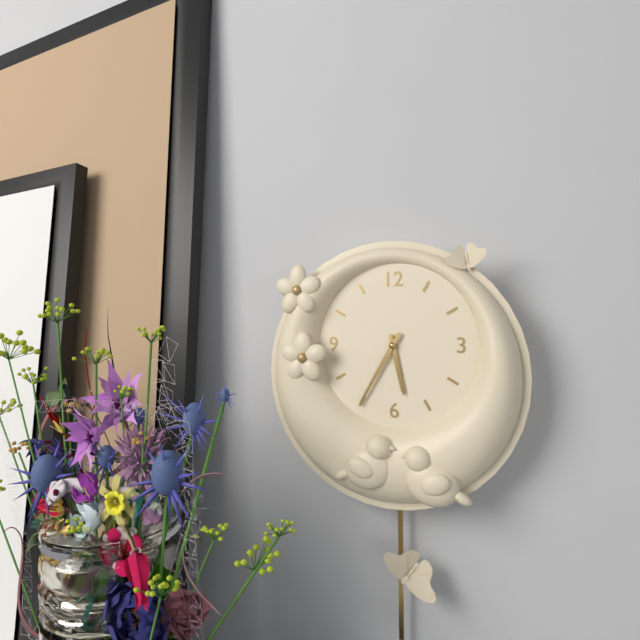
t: h=5 m=35
